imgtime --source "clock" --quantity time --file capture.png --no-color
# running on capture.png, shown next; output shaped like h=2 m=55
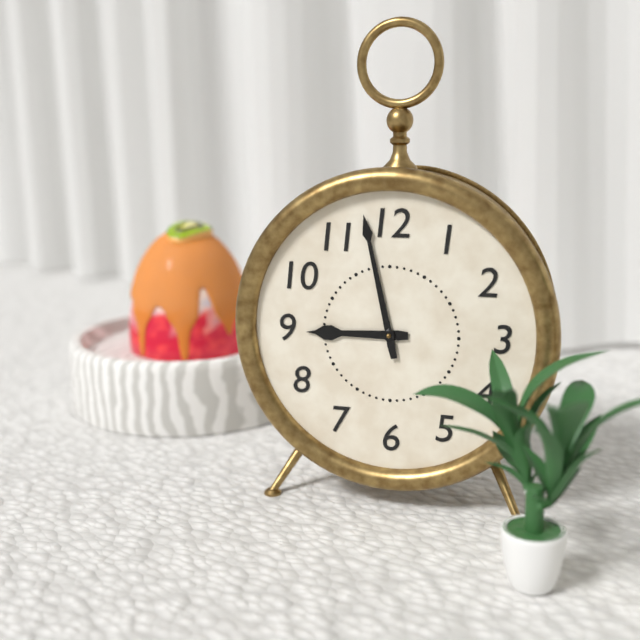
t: h=8 m=58
